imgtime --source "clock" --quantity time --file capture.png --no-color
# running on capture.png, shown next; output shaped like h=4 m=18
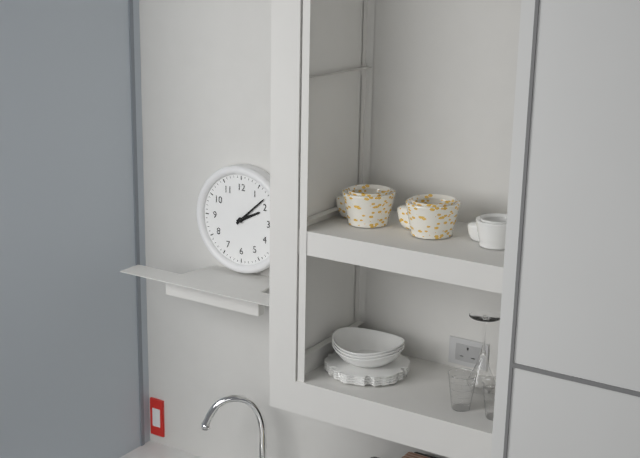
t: h=2 m=8
